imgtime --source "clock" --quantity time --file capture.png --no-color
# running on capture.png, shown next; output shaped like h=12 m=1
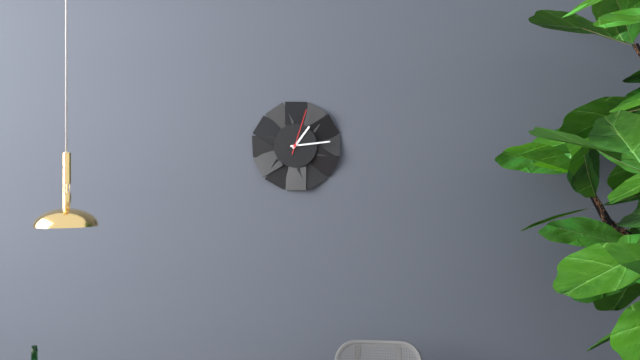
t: h=1 m=14
